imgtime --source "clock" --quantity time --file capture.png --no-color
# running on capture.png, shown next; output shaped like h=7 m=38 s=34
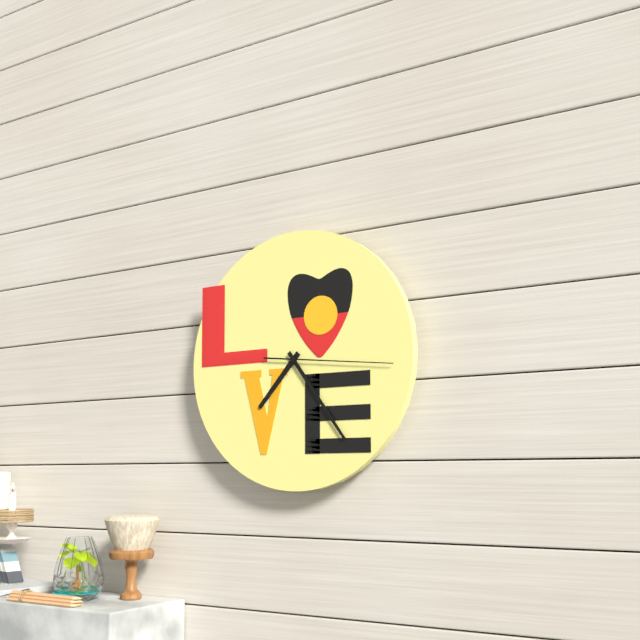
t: h=7 m=24 s=16
